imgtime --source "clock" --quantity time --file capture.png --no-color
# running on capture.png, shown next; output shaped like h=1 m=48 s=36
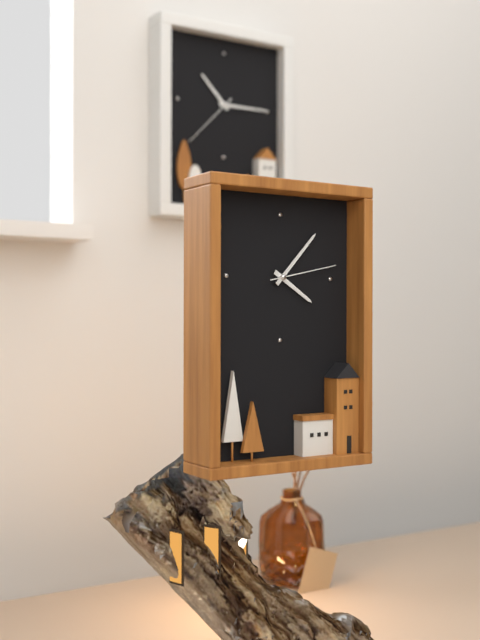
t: h=4 m=7 s=13
